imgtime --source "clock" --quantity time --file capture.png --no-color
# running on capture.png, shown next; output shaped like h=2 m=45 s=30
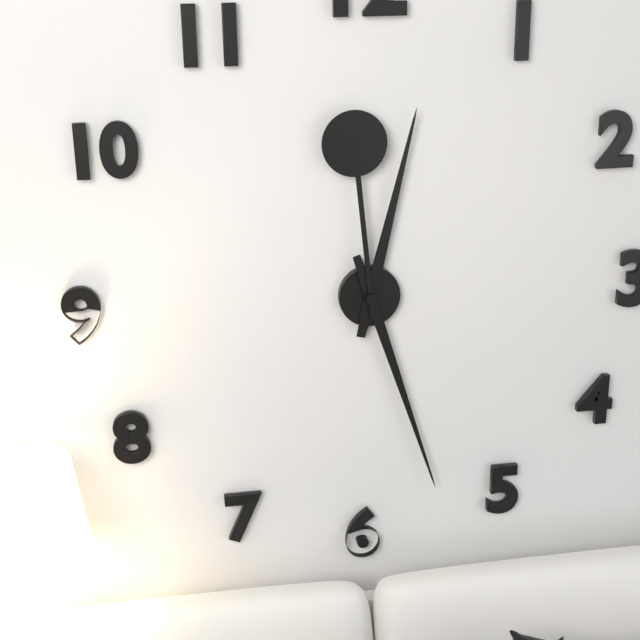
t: h=12 m=27 s=59
